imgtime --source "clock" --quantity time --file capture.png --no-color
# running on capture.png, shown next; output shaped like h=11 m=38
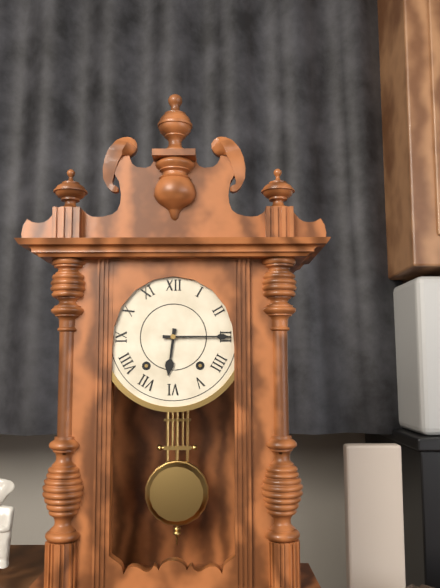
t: h=6 m=15
